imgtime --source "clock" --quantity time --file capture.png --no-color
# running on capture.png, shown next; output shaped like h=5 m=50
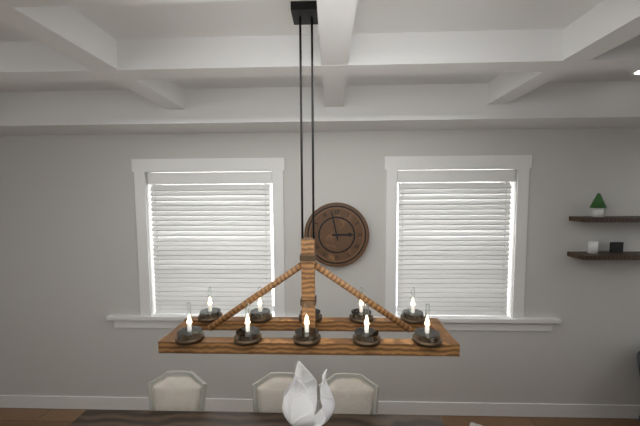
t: h=2 m=58
